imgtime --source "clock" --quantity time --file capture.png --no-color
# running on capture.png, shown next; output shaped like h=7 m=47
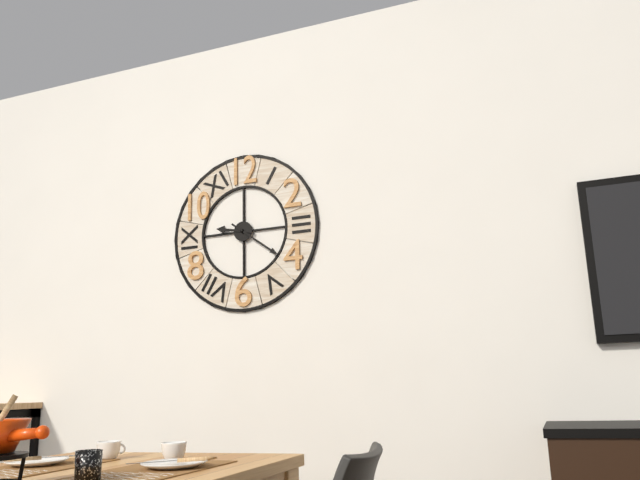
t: h=9 m=21
